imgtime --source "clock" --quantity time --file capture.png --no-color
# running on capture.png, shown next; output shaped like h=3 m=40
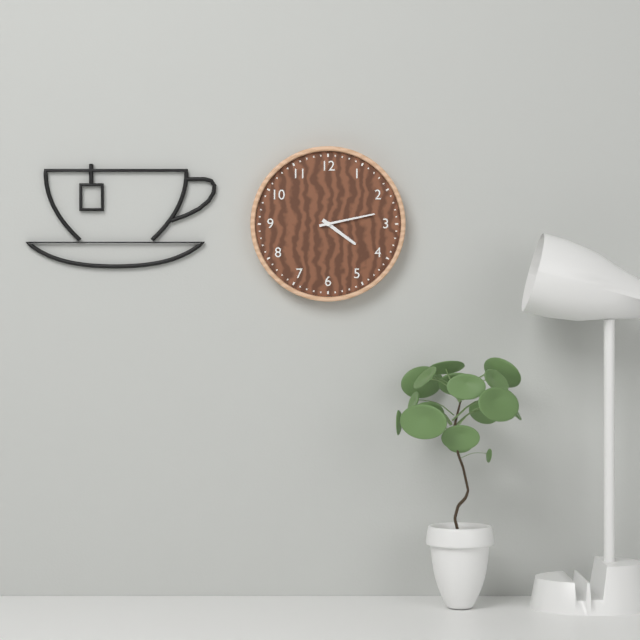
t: h=4 m=13
